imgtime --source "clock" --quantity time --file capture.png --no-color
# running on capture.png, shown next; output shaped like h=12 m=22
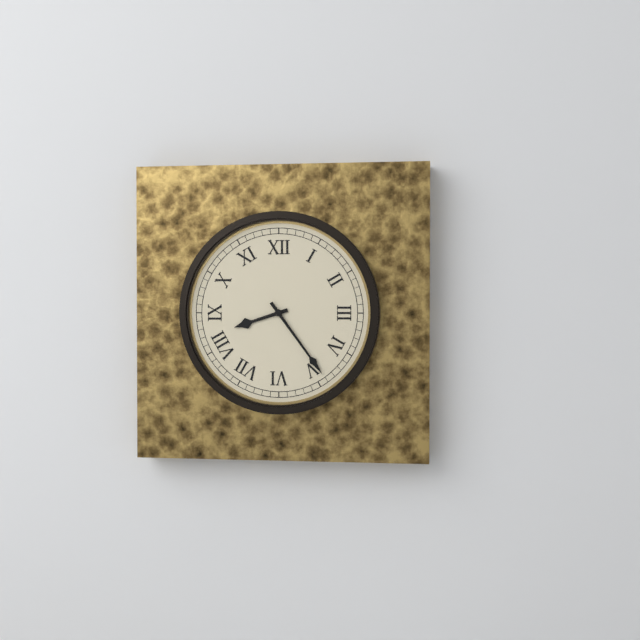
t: h=8 m=24
